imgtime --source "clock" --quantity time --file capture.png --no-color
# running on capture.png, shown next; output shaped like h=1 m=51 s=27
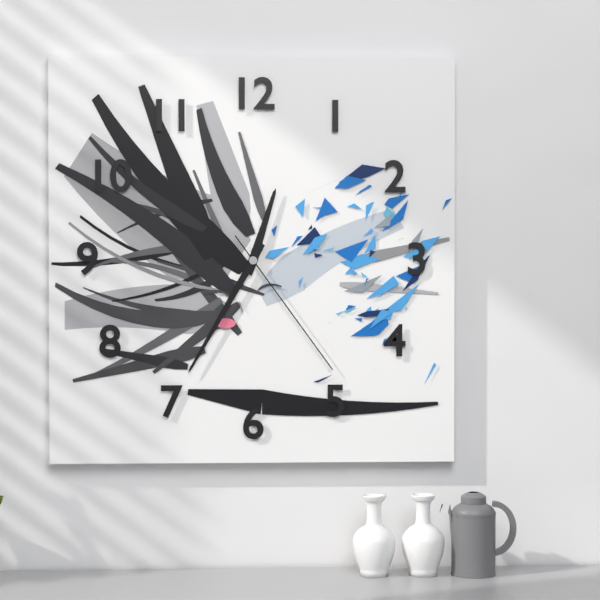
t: h=12 m=35 s=24
